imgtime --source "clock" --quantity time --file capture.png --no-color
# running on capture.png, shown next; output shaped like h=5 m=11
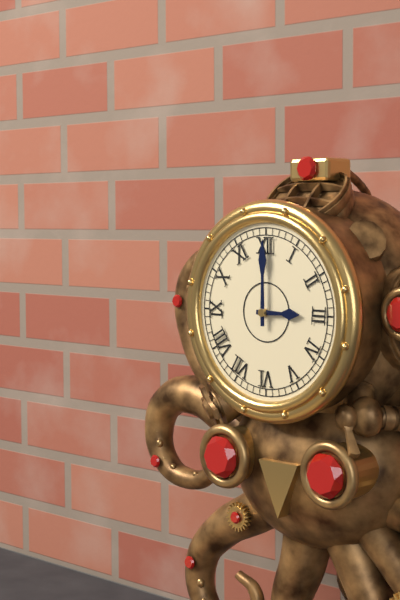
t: h=3 m=0
